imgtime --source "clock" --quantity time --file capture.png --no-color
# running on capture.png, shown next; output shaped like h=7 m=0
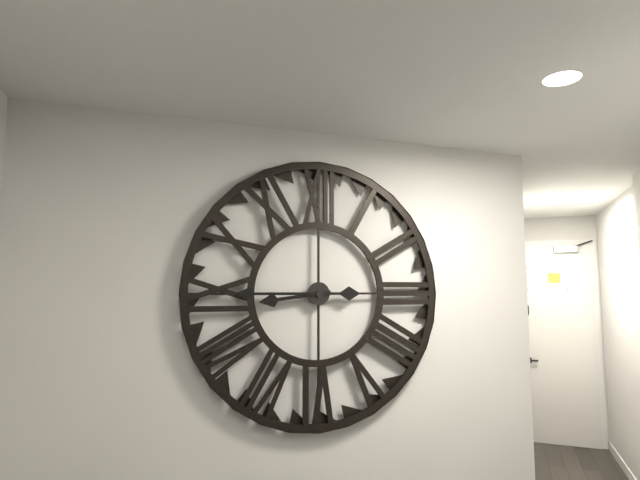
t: h=8 m=45
